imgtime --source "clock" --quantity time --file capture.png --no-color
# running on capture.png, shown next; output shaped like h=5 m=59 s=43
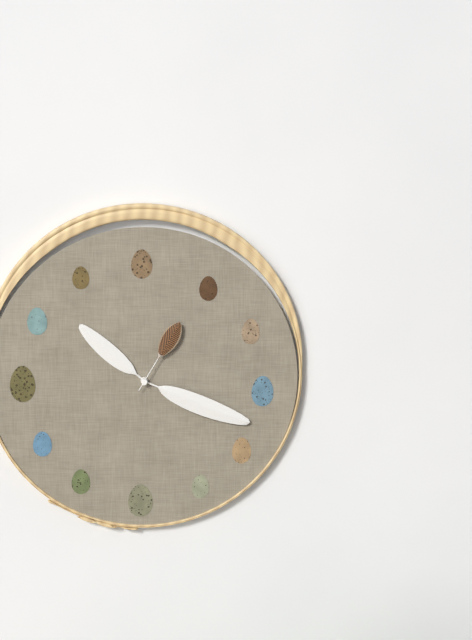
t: h=10 m=19 s=5
